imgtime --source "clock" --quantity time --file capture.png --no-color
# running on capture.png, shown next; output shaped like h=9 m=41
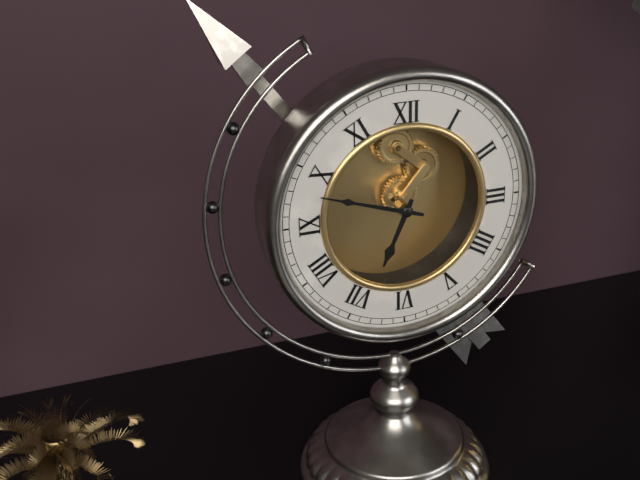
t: h=6 m=48
